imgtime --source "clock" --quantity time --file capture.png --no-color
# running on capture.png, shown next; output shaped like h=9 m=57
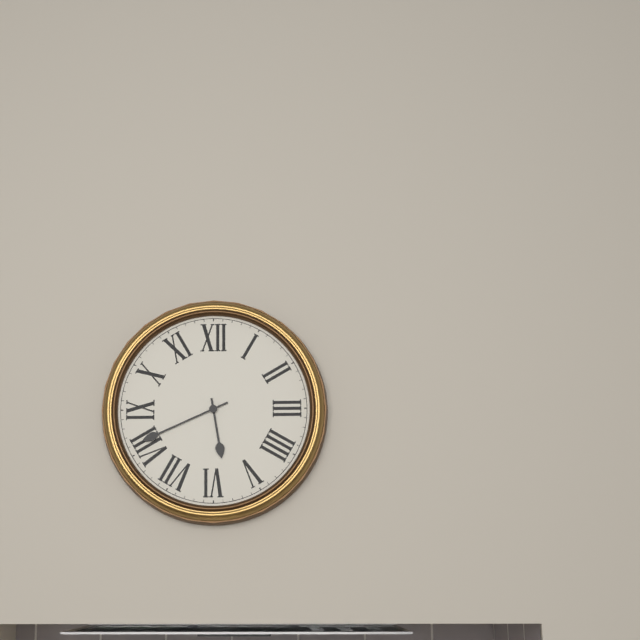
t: h=5 m=41
